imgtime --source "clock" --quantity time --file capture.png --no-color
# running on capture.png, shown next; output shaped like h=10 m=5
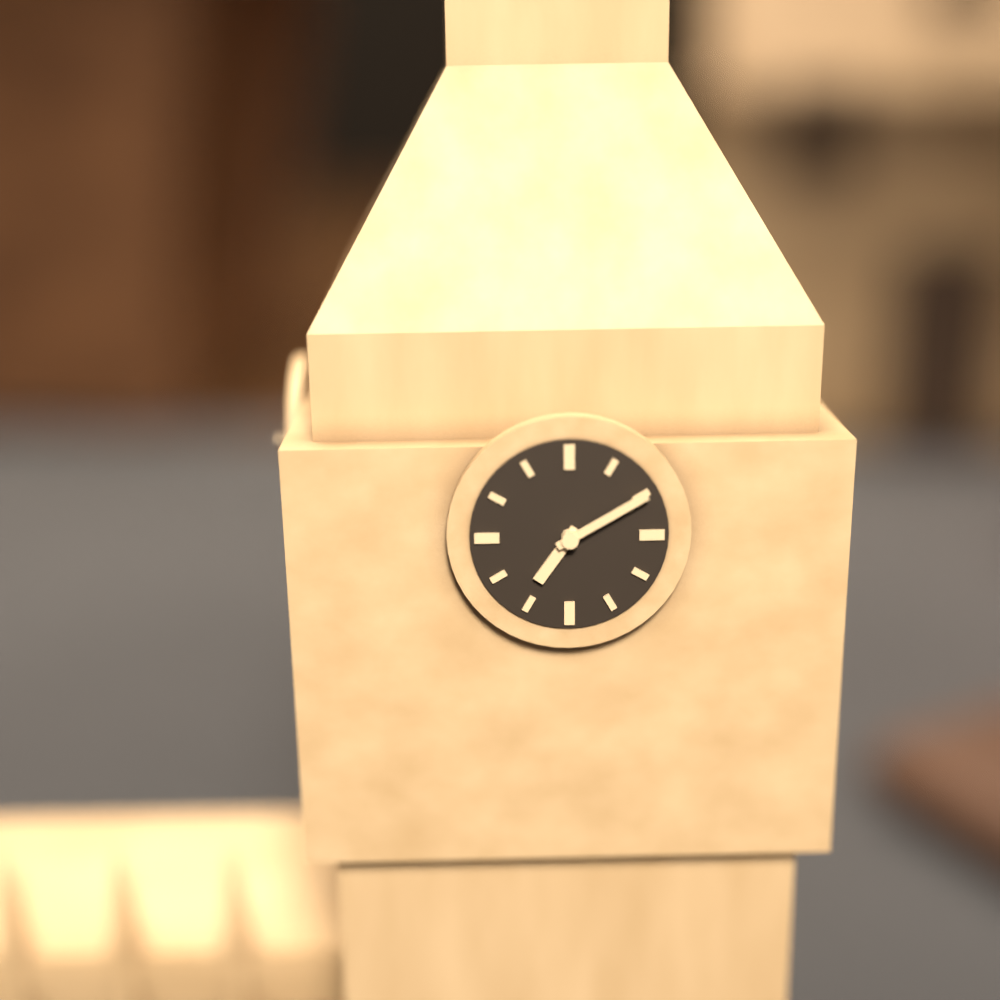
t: h=7 m=10
